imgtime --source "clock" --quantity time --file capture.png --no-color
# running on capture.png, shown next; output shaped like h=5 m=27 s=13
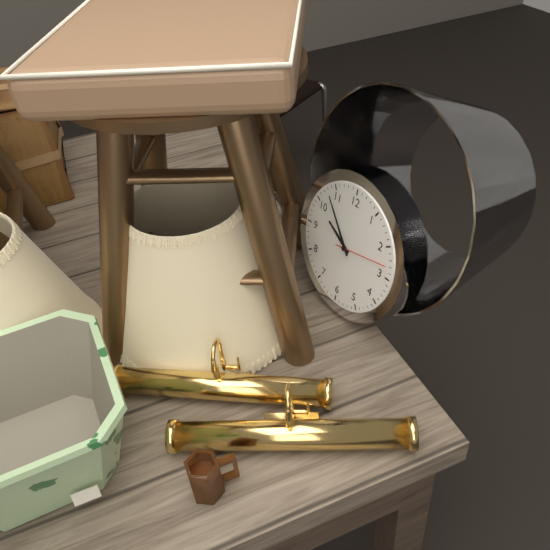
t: h=9 m=53 s=13
